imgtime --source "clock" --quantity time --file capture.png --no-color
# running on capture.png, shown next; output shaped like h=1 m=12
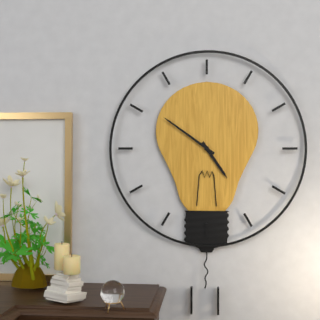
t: h=4 m=51
